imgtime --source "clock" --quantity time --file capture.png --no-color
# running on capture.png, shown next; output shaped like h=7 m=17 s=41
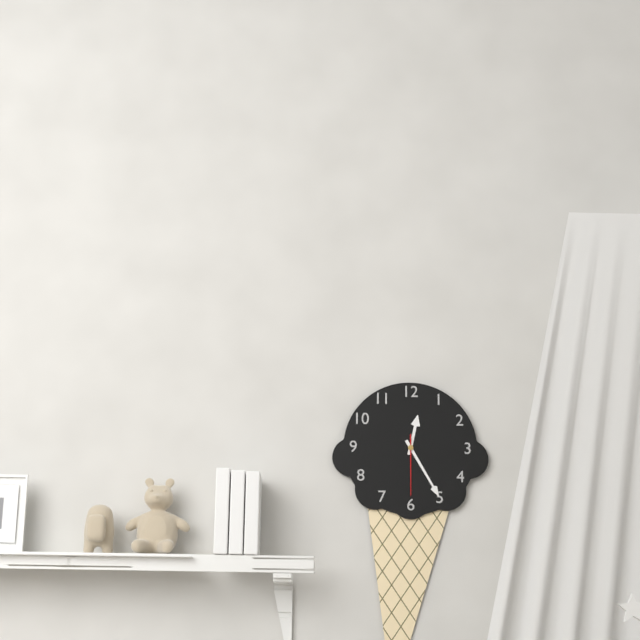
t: h=12 m=25 s=30
